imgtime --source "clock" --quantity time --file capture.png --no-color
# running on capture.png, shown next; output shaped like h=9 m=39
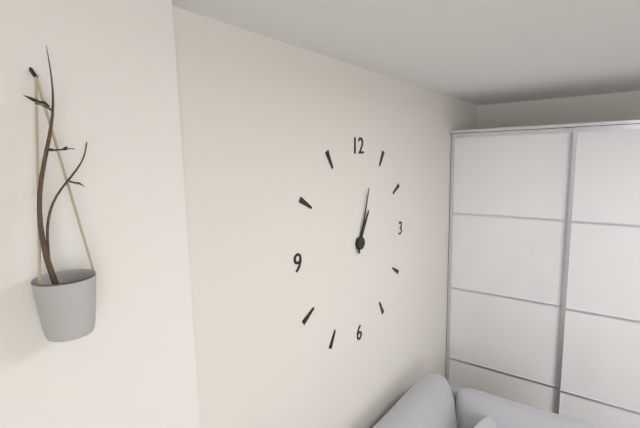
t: h=1 m=3
